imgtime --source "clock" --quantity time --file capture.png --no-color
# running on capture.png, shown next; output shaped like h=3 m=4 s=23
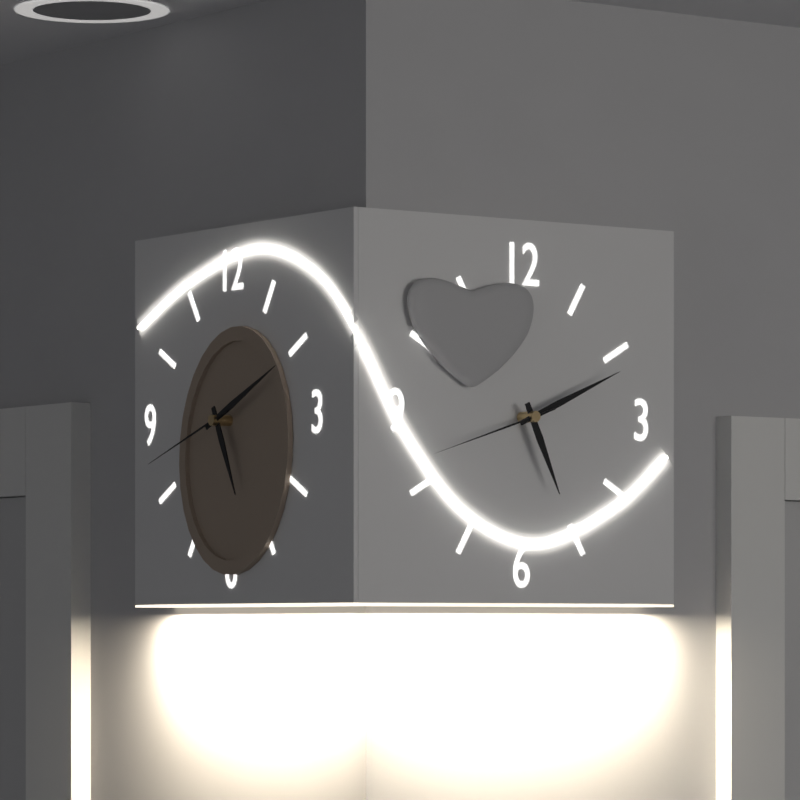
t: h=5 m=11 s=42
